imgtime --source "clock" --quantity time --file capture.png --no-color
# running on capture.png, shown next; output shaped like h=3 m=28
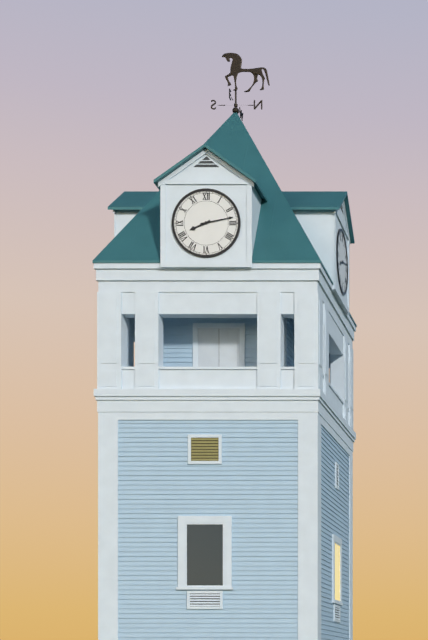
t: h=8 m=13
